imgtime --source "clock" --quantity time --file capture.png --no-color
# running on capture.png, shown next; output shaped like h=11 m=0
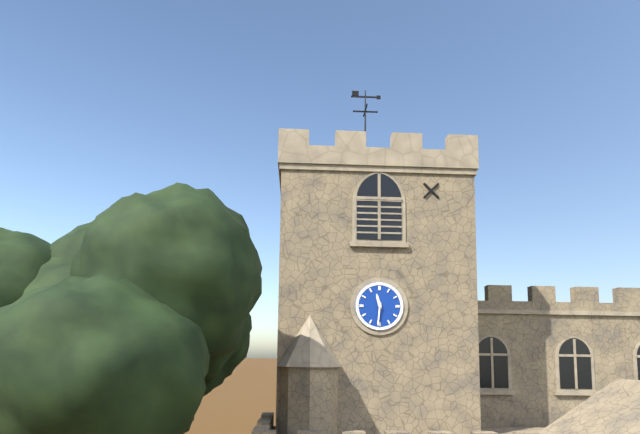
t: h=11 m=31
